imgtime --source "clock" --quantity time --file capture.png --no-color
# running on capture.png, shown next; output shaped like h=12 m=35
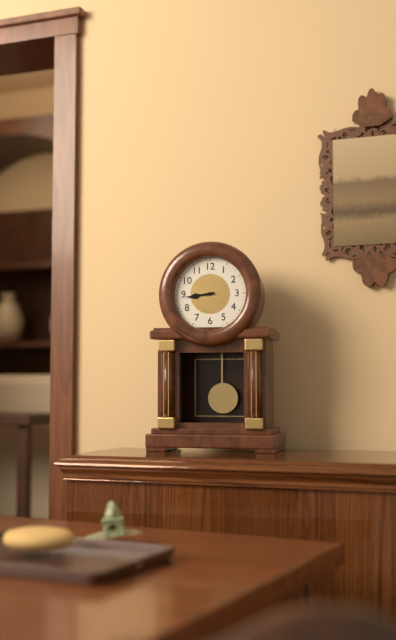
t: h=8 m=44
